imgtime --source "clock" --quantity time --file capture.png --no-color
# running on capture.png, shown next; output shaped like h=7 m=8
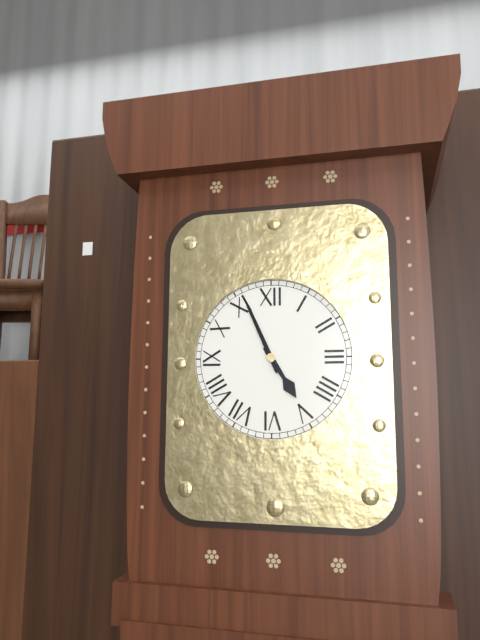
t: h=4 m=56
